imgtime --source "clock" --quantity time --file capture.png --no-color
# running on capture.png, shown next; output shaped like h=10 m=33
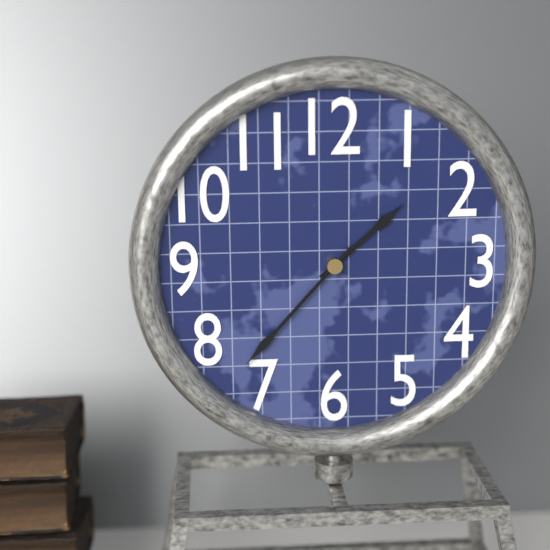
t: h=1 m=37
